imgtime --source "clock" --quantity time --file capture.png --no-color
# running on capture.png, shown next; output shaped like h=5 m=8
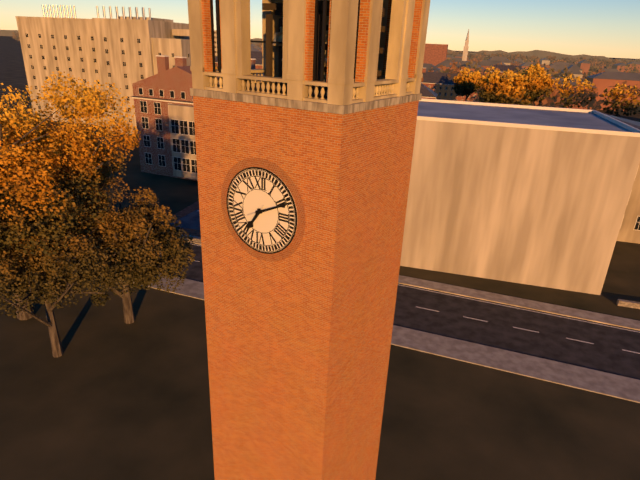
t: h=7 m=11
